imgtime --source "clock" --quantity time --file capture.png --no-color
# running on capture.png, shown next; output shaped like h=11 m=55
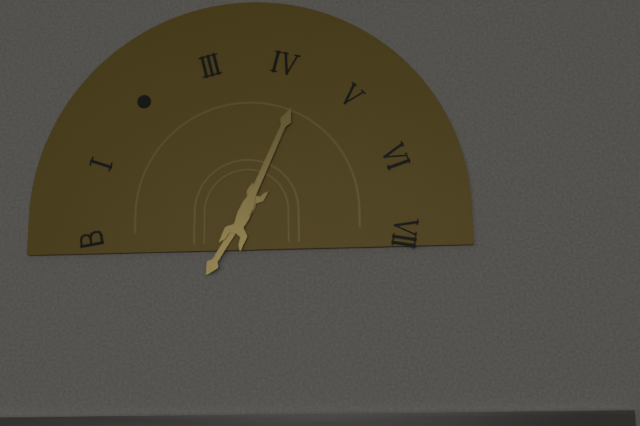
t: h=7 m=4
